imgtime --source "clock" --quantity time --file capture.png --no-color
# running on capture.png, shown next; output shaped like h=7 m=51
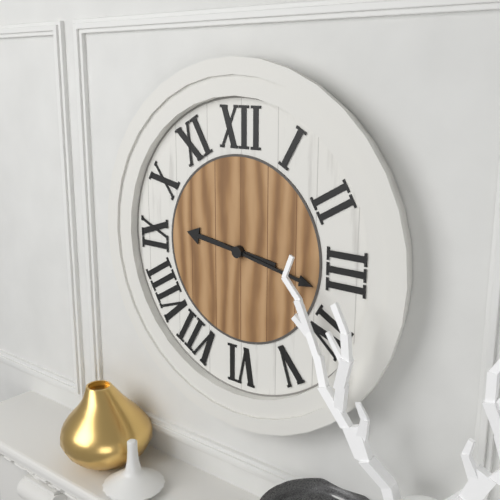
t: h=9 m=17
